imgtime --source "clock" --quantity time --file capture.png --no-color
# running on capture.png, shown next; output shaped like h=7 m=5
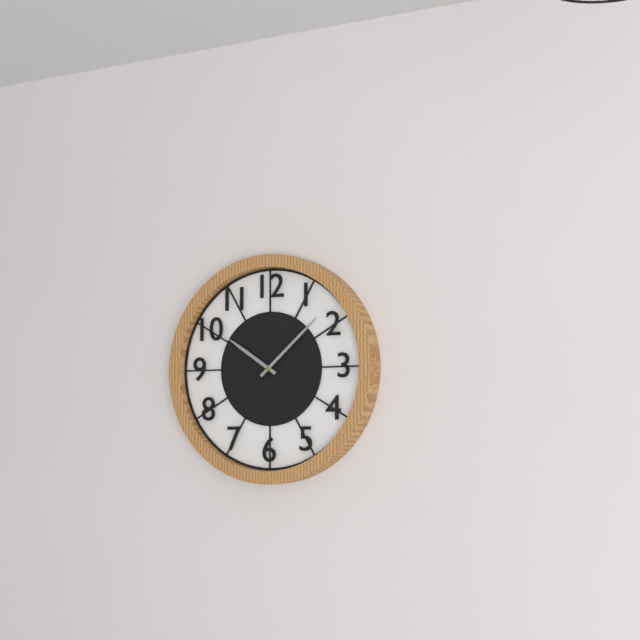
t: h=10 m=8
